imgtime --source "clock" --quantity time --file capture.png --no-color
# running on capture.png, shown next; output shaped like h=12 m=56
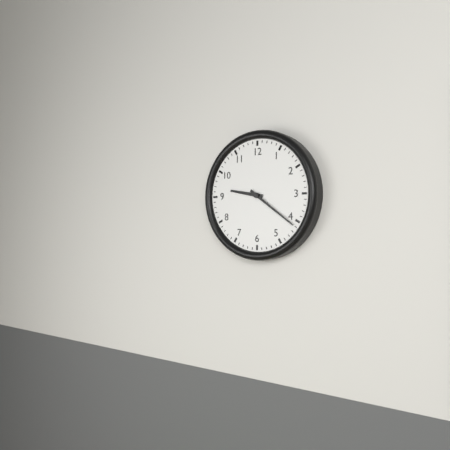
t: h=9 m=21
